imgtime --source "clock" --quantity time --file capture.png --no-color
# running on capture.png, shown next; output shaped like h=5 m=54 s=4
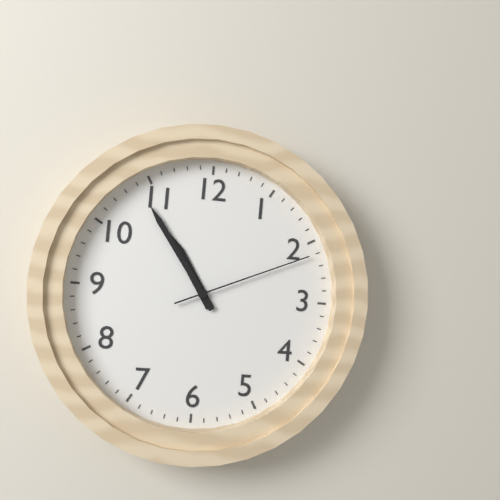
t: h=10 m=54 s=11
